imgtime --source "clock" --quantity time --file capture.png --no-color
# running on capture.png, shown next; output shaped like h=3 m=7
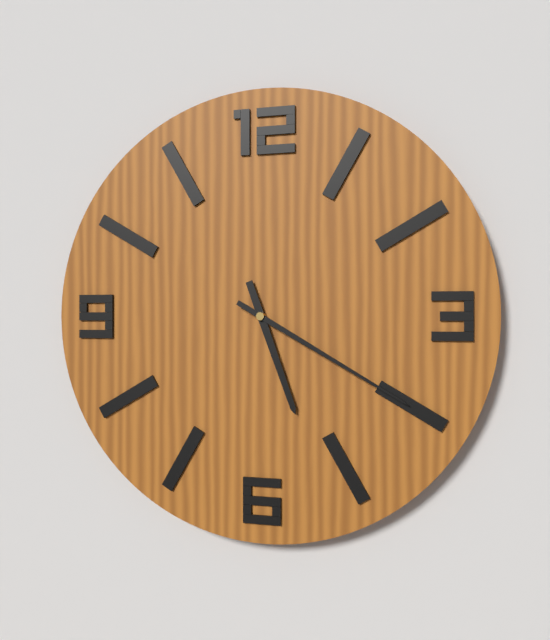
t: h=5 m=20
